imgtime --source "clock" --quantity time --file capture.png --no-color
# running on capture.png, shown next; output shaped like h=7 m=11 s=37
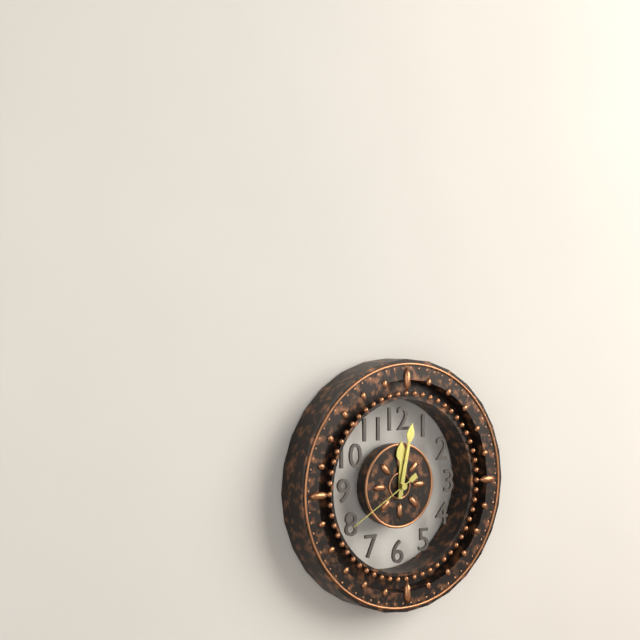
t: h=12 m=2 s=40
